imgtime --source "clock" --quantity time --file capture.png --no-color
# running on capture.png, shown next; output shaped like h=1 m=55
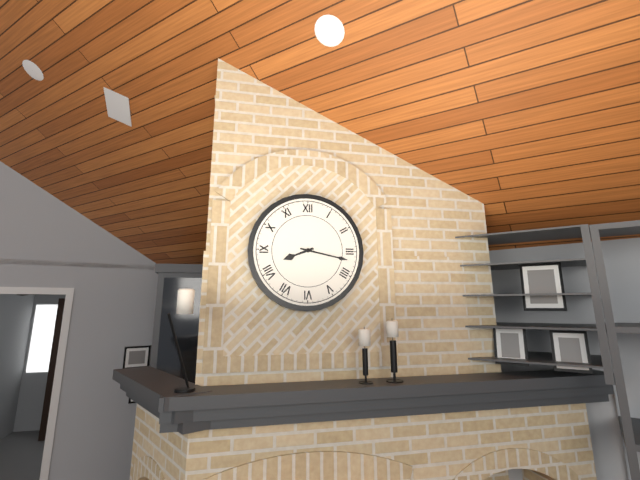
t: h=8 m=17
